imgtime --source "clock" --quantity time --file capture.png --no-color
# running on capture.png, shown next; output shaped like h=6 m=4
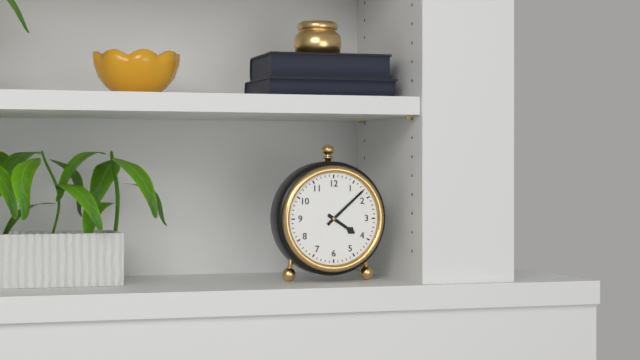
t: h=4 m=8
